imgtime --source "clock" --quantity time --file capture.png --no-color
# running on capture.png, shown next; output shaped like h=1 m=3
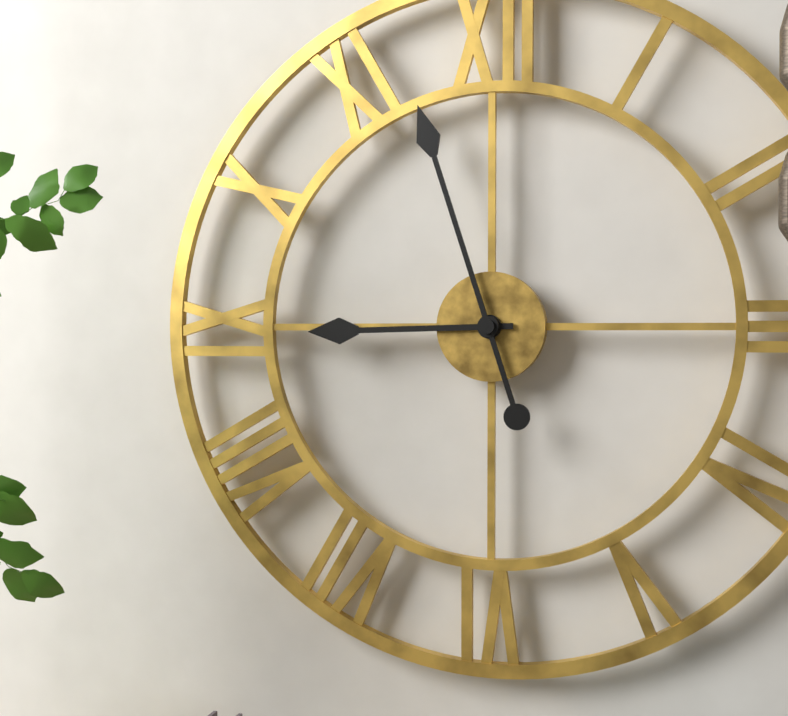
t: h=8 m=57
